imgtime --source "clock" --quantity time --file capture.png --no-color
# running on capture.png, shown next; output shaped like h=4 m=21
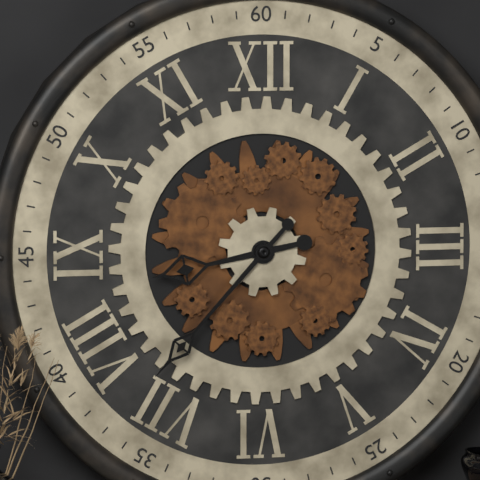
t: h=8 m=37
